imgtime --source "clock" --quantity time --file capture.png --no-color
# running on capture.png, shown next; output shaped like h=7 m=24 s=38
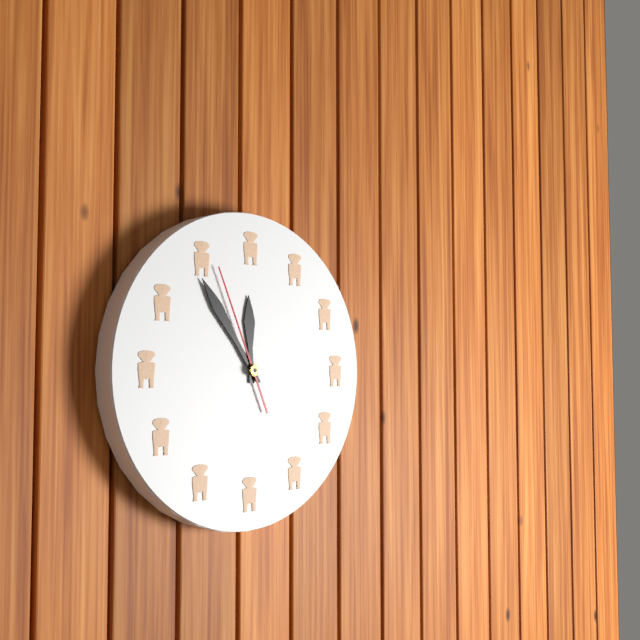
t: h=11 m=54 s=56
